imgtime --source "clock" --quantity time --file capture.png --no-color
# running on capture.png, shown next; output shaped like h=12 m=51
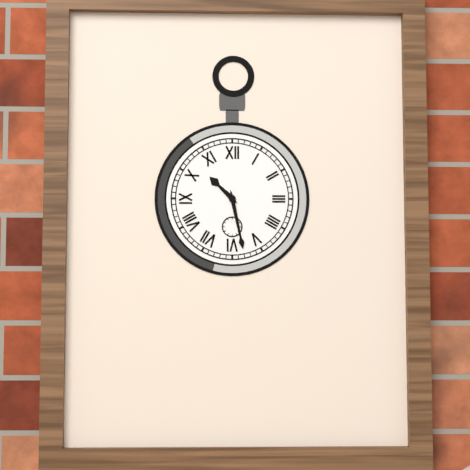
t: h=10 m=28
